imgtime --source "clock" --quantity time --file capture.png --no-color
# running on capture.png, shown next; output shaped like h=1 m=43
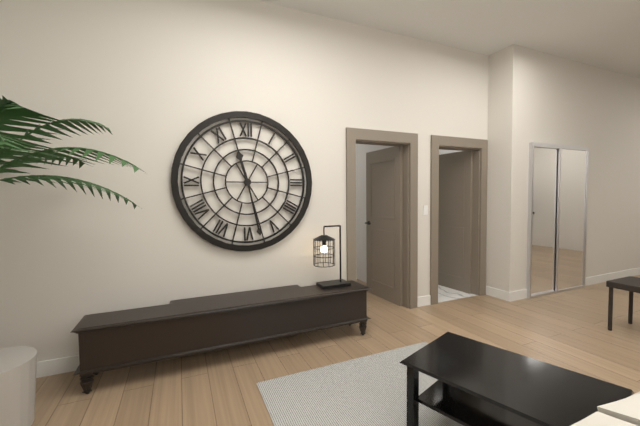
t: h=11 m=28
